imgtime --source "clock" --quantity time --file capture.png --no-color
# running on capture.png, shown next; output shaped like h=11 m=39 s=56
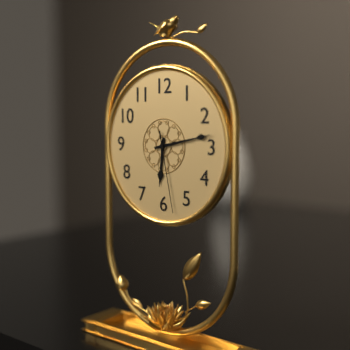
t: h=6 m=13 s=28
